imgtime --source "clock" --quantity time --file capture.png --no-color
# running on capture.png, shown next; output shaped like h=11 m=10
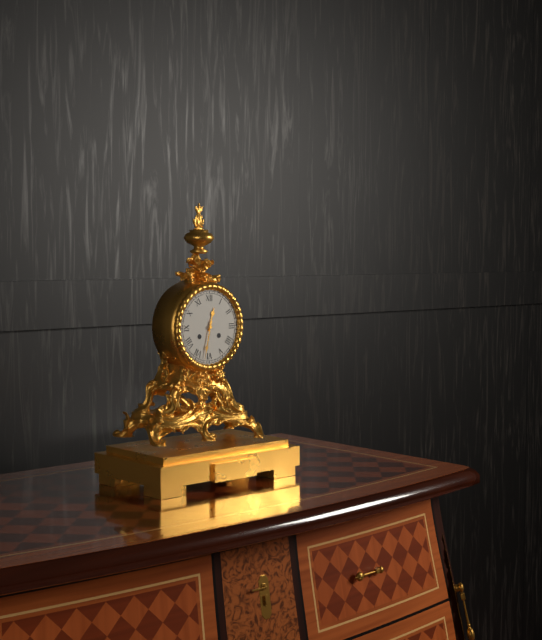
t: h=12 m=32
